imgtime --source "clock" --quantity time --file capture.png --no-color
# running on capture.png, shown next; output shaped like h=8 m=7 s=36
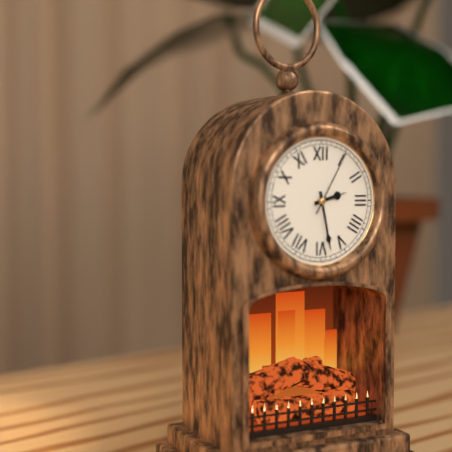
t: h=2 m=28 s=5
